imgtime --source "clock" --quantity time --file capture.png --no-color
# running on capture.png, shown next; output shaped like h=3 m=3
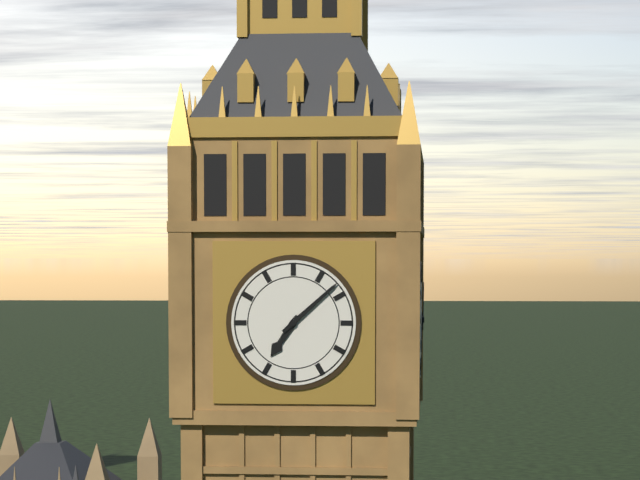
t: h=7 m=8
